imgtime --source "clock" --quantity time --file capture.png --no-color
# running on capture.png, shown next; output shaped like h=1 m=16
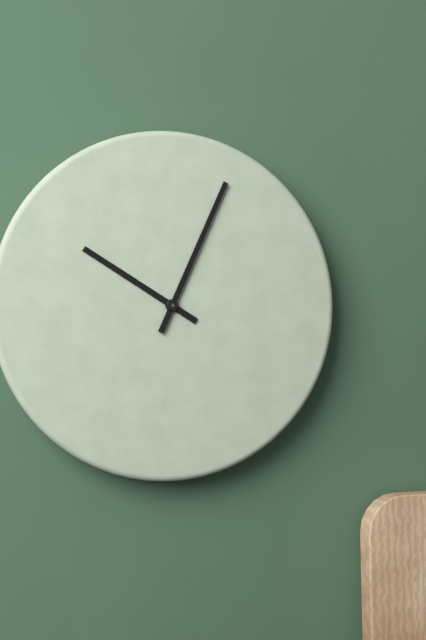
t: h=10 m=4
